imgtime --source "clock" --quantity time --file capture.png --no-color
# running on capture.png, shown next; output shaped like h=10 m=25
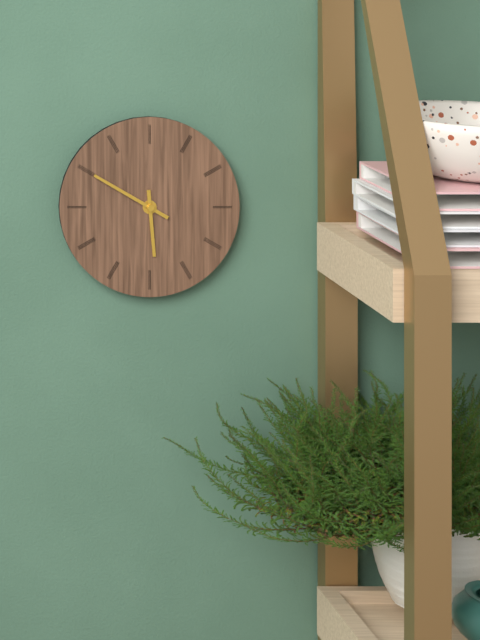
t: h=5 m=50
